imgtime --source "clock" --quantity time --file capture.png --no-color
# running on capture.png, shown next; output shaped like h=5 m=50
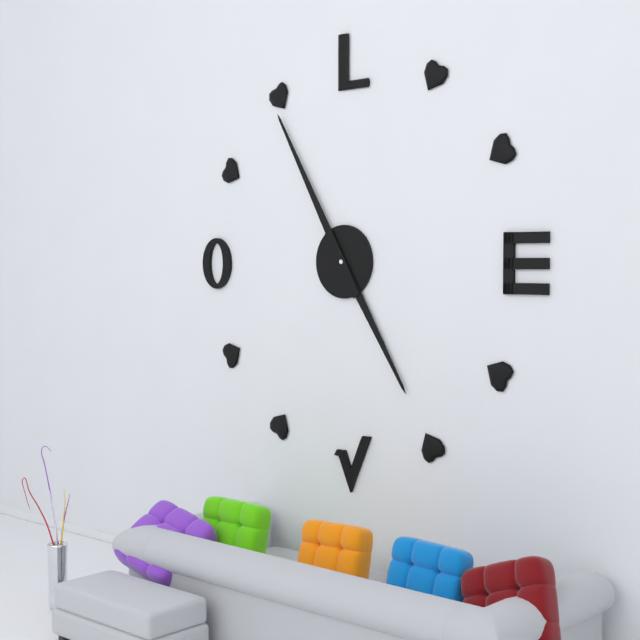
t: h=4 m=55
